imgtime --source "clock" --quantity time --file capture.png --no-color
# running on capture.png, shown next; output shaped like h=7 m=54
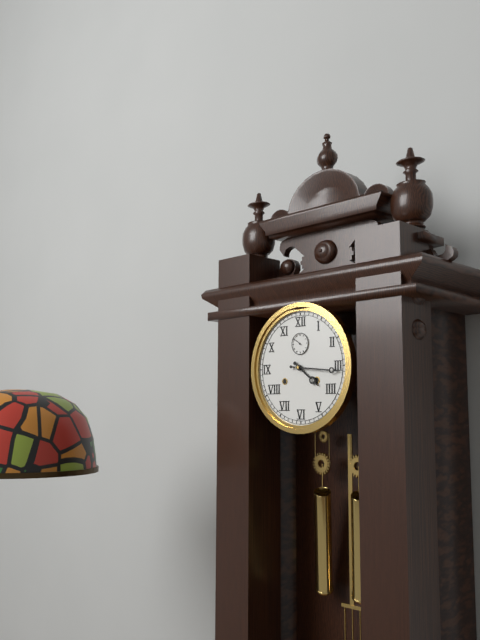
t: h=4 m=16
